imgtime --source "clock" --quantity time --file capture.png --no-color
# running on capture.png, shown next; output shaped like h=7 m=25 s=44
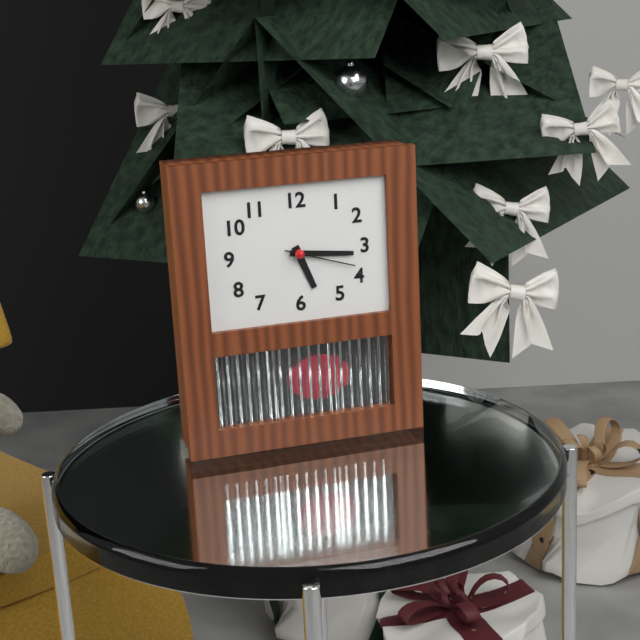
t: h=5 m=16 s=18
